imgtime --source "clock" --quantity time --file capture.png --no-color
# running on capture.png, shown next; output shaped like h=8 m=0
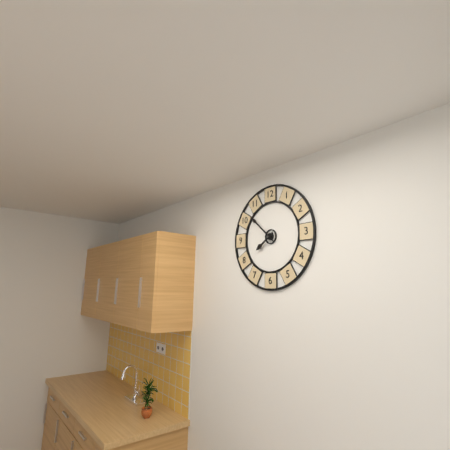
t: h=7 m=52
